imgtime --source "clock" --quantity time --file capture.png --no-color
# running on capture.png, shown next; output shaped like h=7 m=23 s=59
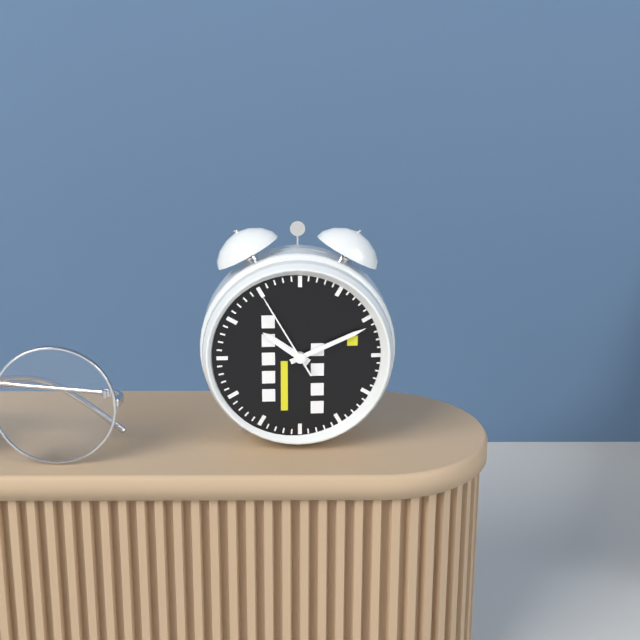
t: h=10 m=11 s=55
